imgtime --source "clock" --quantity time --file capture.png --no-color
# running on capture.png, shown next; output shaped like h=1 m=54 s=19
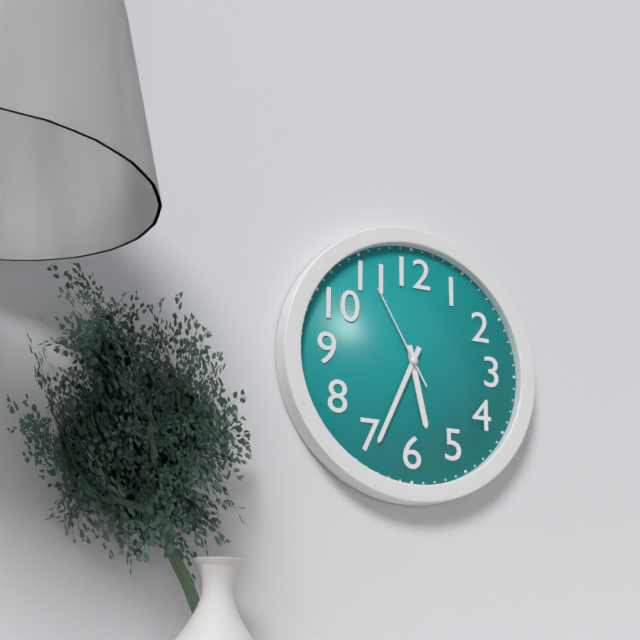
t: h=5 m=34 s=55
